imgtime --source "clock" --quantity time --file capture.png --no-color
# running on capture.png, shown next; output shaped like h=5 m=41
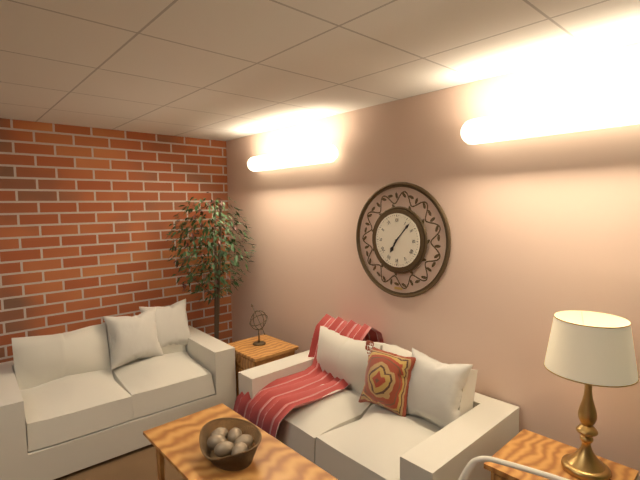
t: h=7 m=7
